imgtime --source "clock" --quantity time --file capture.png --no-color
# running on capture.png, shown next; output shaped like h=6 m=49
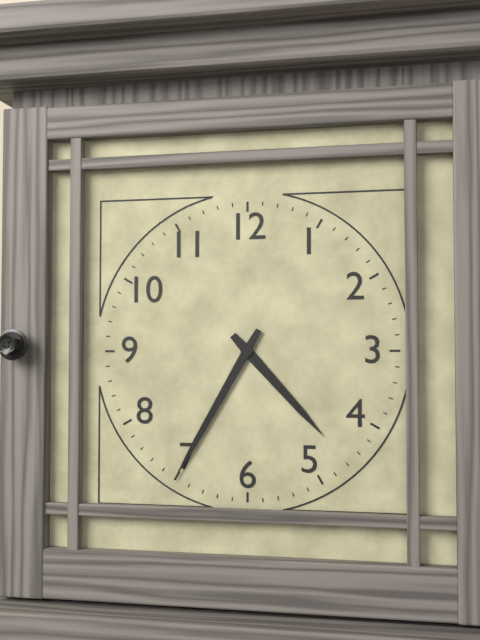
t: h=4 m=35
